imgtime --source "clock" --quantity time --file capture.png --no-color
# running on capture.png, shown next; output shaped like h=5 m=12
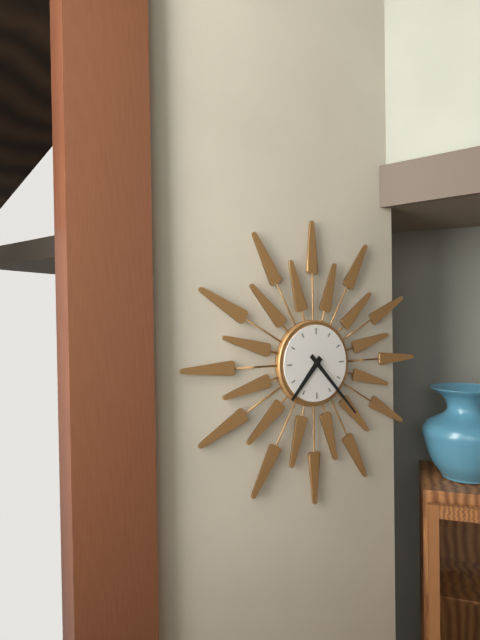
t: h=7 m=23
